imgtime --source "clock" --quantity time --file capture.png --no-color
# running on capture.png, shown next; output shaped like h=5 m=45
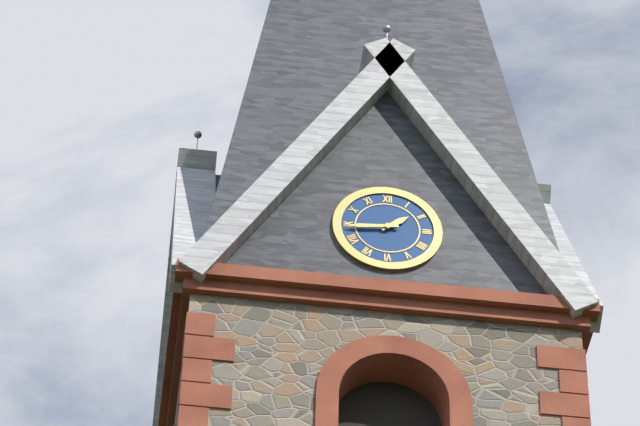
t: h=1 m=44
